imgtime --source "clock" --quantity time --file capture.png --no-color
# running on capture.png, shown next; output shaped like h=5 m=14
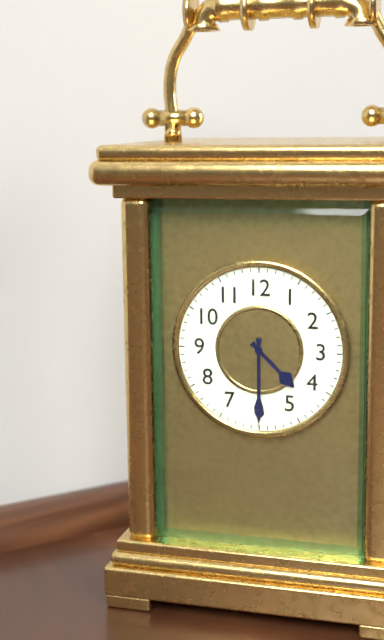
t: h=4 m=30
